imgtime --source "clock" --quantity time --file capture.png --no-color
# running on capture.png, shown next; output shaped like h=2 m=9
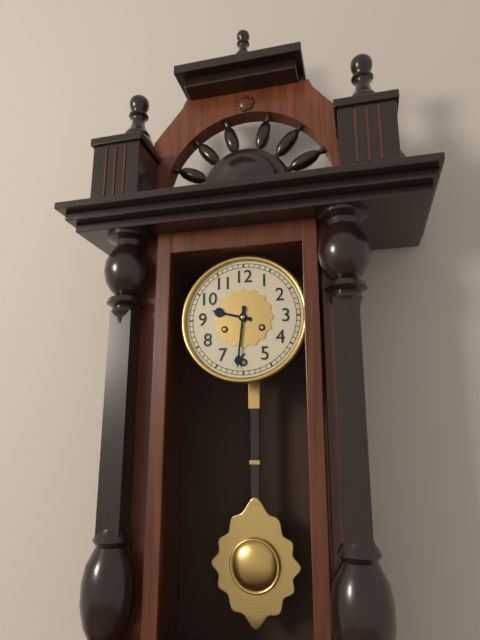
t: h=9 m=31
